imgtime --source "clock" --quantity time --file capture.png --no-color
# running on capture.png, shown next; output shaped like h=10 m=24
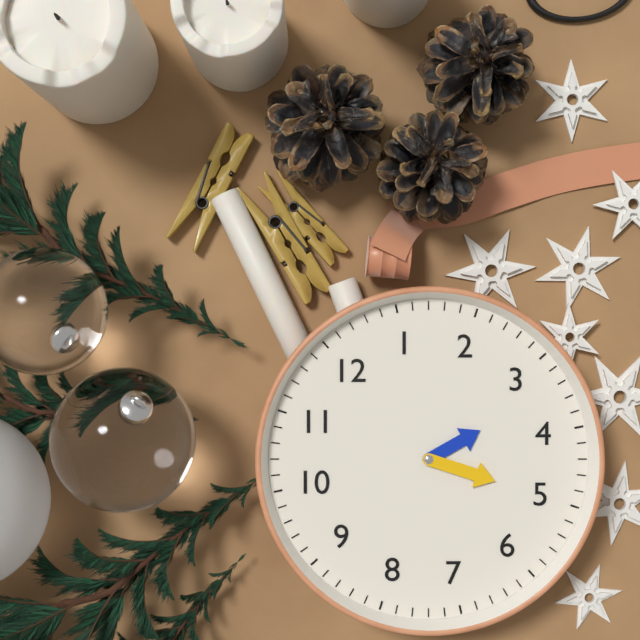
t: h=3 m=25
